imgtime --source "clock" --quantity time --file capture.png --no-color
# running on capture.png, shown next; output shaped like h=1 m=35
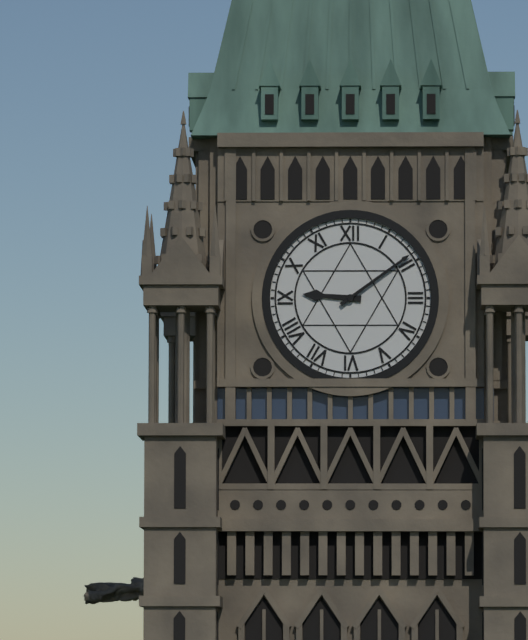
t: h=9 m=9
